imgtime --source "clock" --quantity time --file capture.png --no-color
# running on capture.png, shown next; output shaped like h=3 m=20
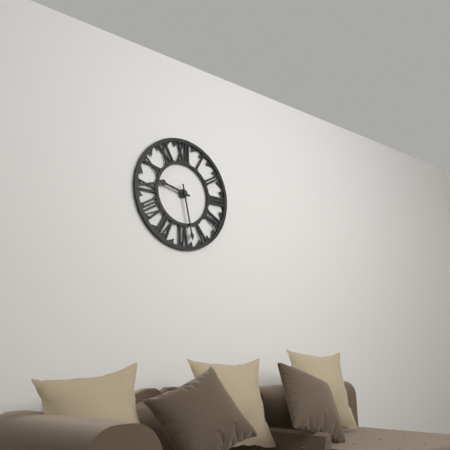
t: h=9 m=28
